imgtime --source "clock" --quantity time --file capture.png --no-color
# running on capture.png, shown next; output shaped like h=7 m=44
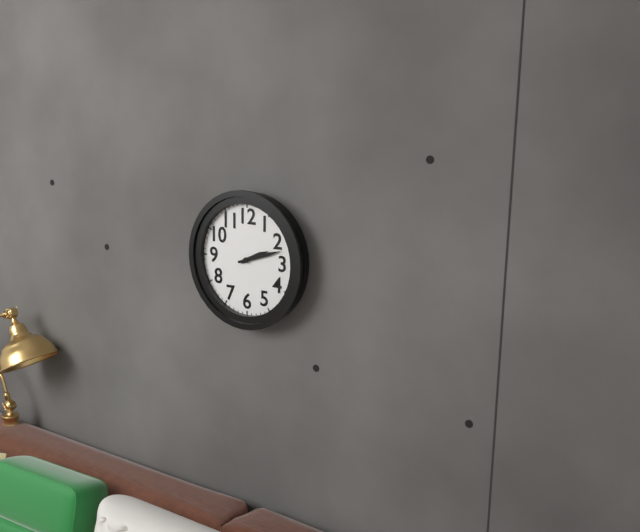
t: h=2 m=12
